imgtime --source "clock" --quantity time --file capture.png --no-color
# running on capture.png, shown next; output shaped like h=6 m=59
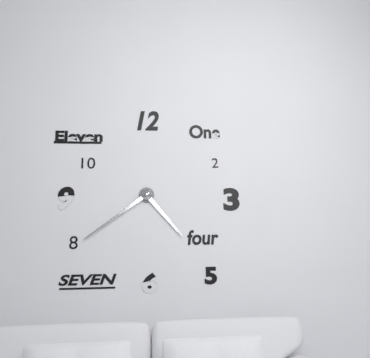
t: h=4 m=39
